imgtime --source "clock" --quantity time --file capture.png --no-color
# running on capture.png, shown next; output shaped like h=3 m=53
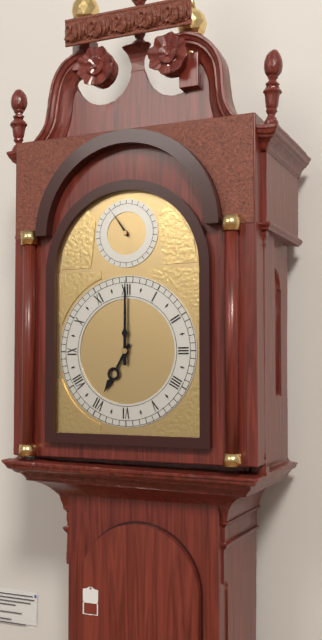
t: h=7 m=0
